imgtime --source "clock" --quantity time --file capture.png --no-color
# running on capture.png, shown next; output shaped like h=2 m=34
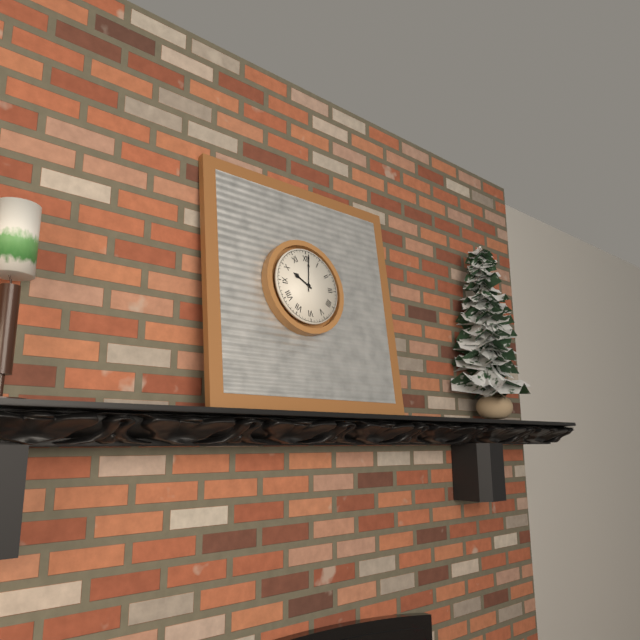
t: h=10 m=1
